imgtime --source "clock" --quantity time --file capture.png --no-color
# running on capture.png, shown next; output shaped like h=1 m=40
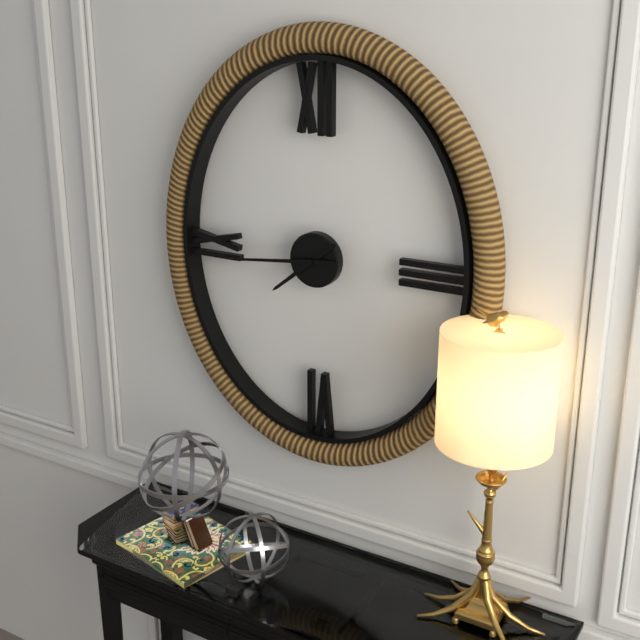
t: h=7 m=44
